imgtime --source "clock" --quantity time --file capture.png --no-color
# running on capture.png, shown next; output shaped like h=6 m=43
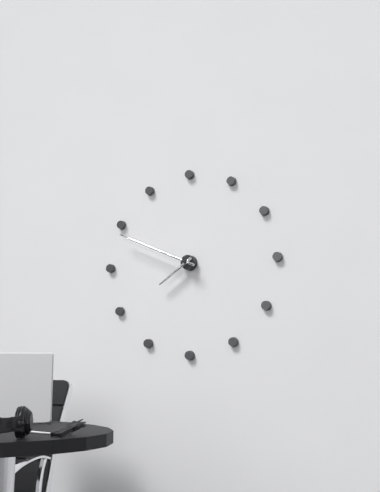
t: h=7 m=49
